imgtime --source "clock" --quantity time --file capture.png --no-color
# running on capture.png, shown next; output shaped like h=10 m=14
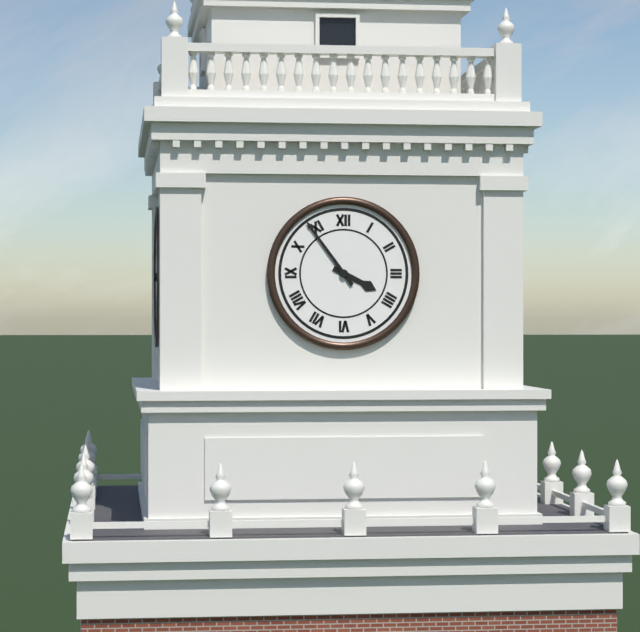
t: h=3 m=54
